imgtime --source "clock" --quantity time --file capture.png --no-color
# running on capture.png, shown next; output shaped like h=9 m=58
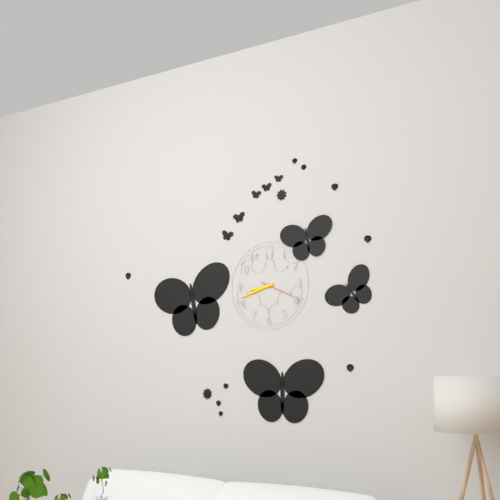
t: h=8 m=42
